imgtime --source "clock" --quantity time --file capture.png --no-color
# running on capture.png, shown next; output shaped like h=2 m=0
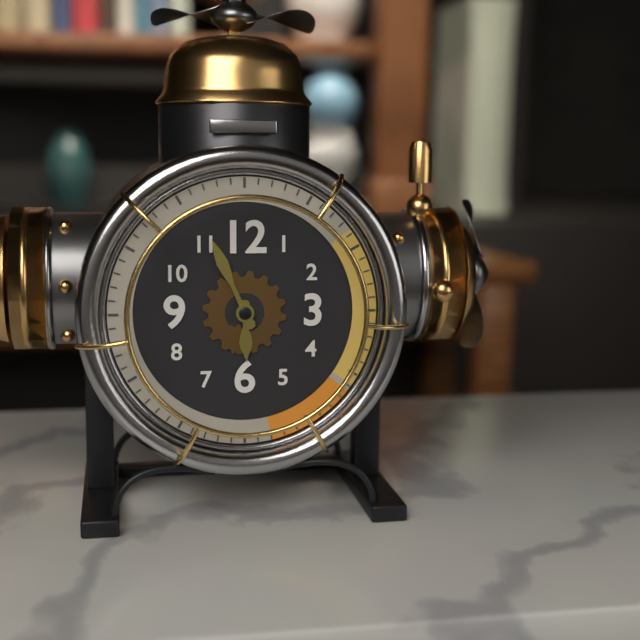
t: h=5 m=56
